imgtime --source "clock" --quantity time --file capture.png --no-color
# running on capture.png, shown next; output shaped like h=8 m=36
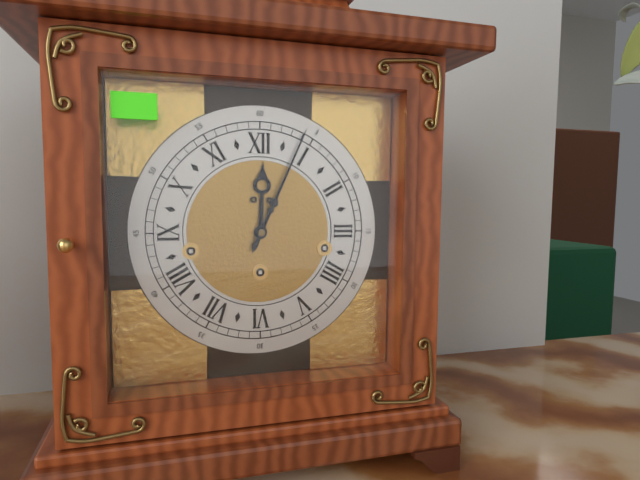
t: h=12 m=4
